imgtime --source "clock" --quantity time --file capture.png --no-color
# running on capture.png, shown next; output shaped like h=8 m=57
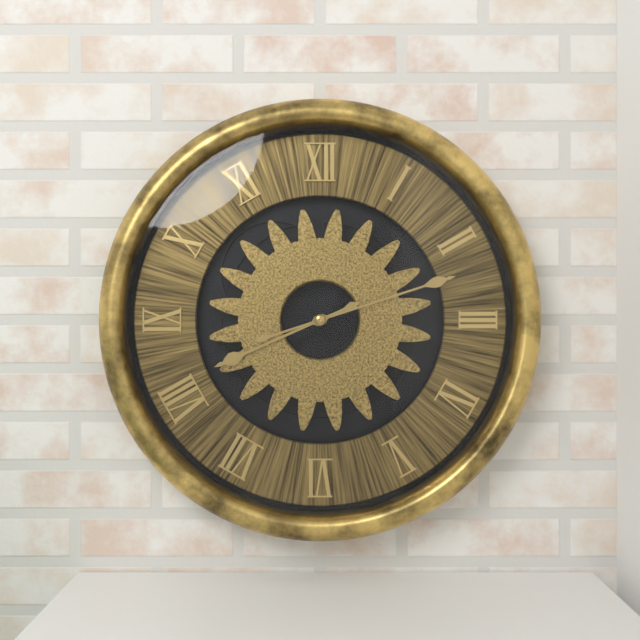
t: h=8 m=12
